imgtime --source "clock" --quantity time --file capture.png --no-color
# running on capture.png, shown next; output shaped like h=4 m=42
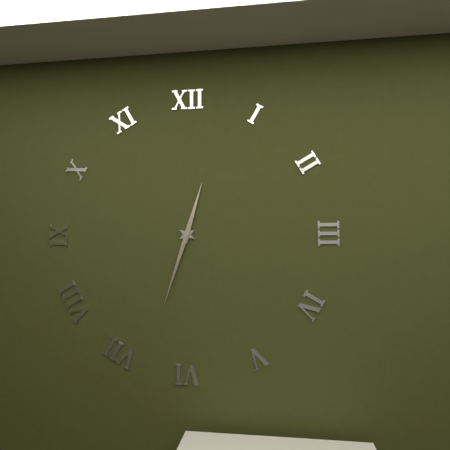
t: h=12 m=33
